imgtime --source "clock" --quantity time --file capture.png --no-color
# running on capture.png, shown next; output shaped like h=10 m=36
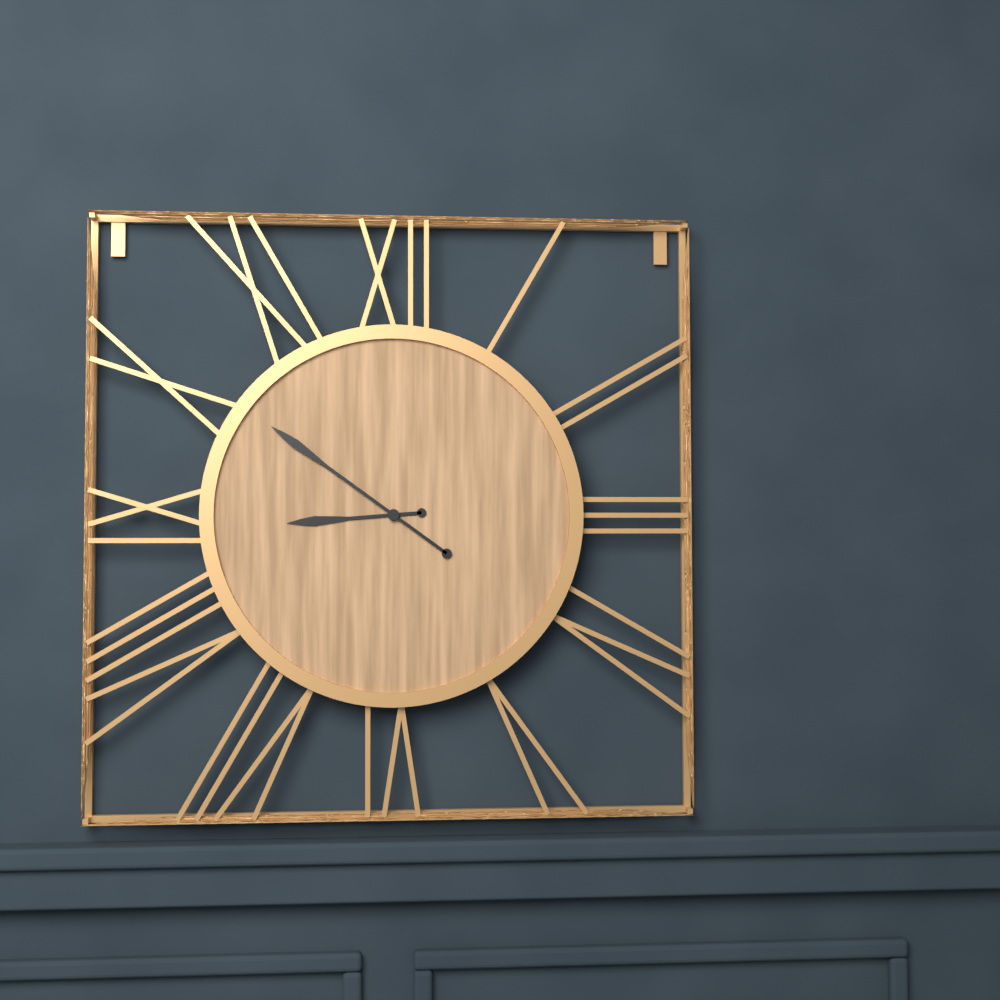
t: h=8 m=51
